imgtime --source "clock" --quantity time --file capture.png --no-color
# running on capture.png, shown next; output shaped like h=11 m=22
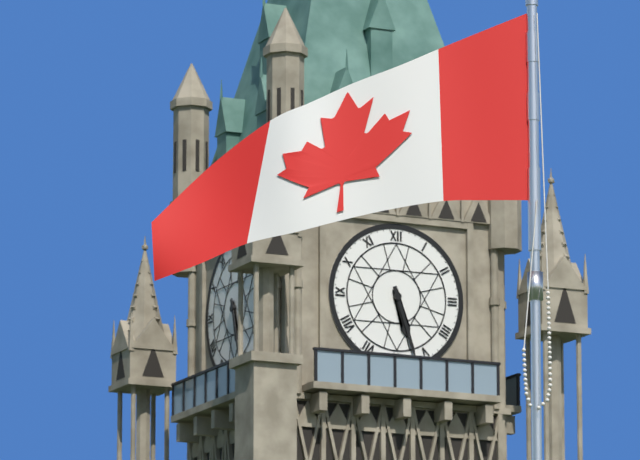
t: h=5 m=27
